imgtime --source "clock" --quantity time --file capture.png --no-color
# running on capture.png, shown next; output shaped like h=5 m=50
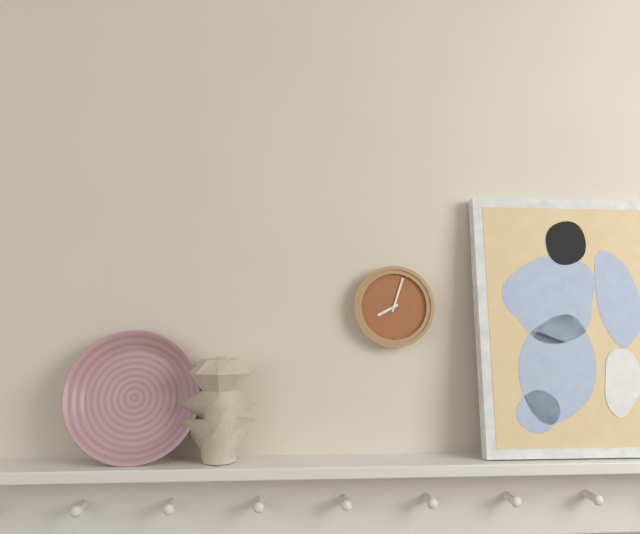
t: h=8 m=3
